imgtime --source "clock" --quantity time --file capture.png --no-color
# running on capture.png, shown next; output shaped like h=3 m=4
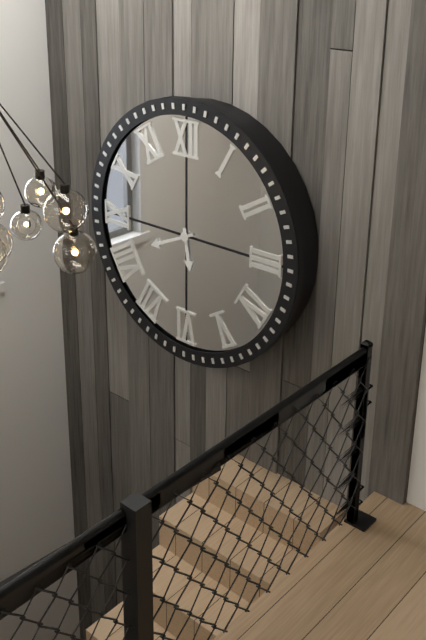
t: h=5 m=41
